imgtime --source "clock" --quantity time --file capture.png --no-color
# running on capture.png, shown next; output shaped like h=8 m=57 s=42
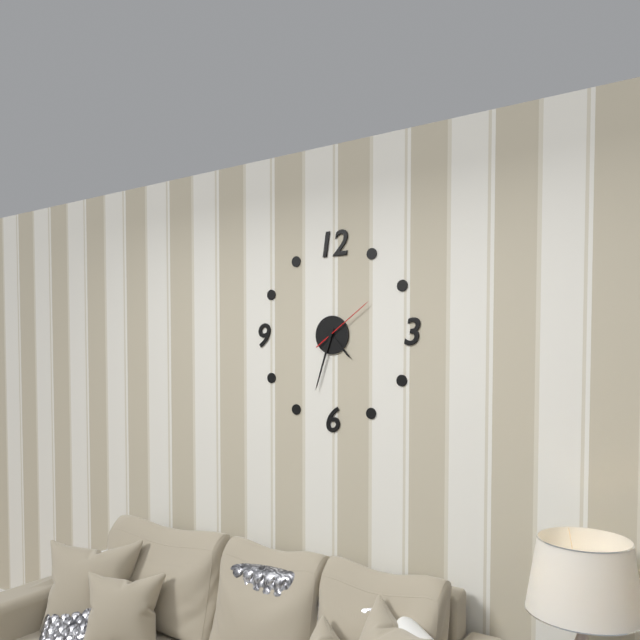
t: h=4 m=33 s=9
